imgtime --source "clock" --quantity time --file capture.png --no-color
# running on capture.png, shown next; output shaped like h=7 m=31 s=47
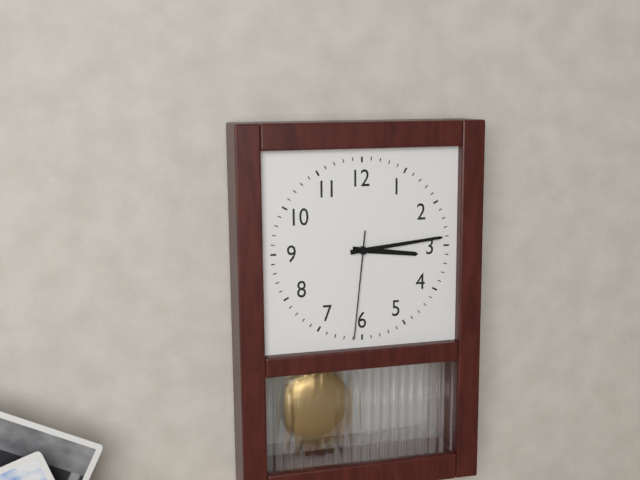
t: h=3 m=14 s=31
